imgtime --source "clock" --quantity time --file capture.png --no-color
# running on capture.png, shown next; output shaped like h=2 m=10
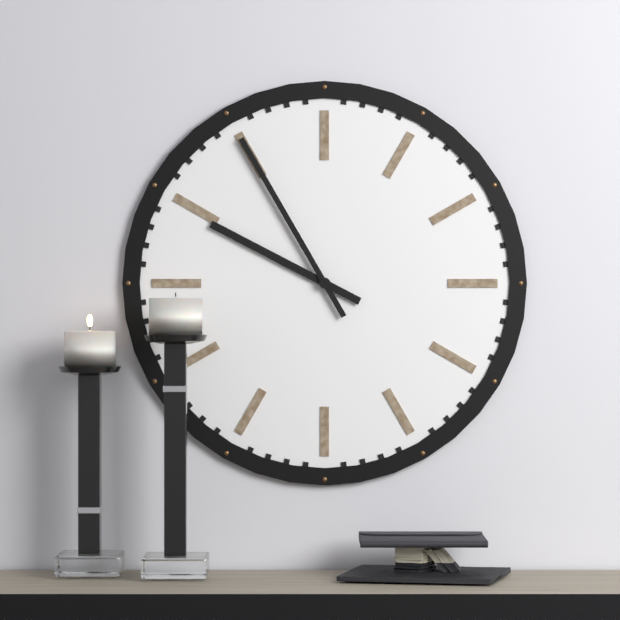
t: h=9 m=55
